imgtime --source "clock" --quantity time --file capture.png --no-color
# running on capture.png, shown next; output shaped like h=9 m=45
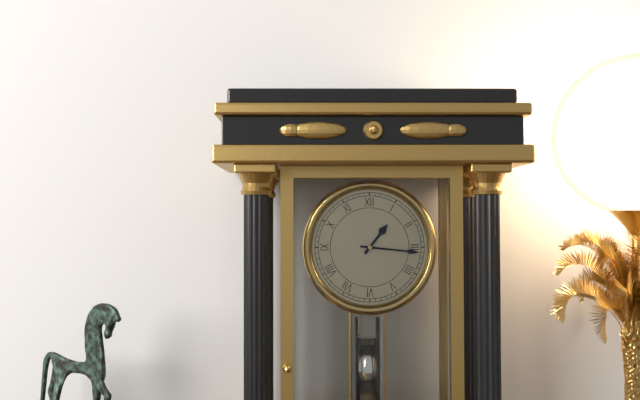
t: h=1 m=16
